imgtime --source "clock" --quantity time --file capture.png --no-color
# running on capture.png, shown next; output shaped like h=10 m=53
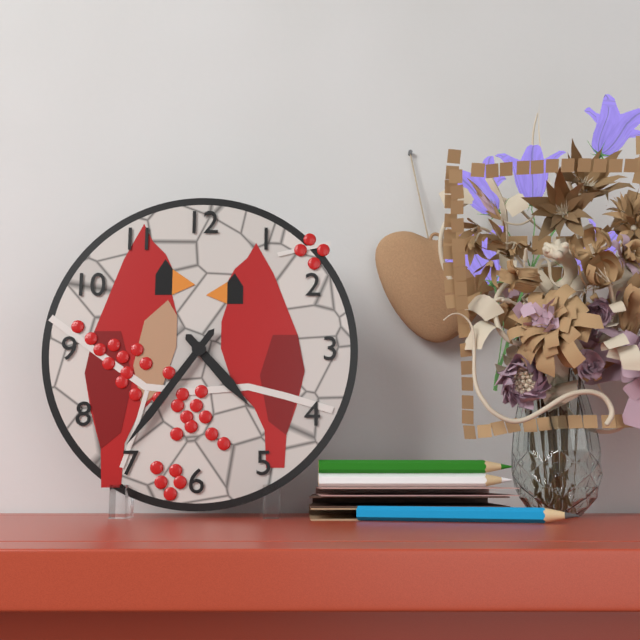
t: h=4 m=36
